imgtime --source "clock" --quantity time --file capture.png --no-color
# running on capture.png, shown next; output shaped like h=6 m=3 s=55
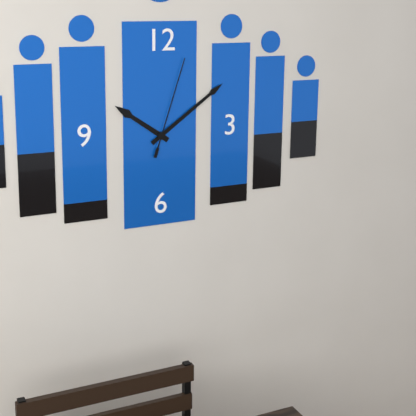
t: h=10 m=9 s=3
